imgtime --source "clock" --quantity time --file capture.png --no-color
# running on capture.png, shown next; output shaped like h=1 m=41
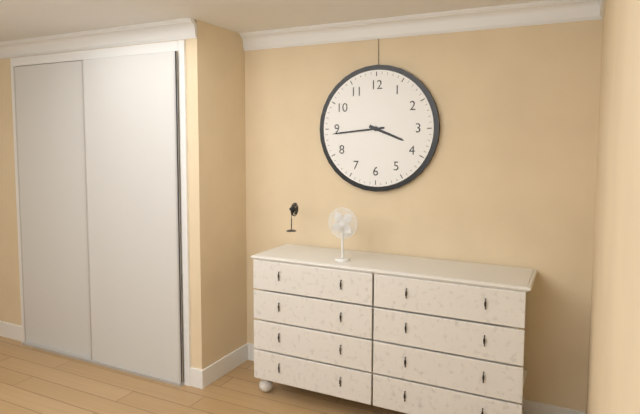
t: h=3 m=44
